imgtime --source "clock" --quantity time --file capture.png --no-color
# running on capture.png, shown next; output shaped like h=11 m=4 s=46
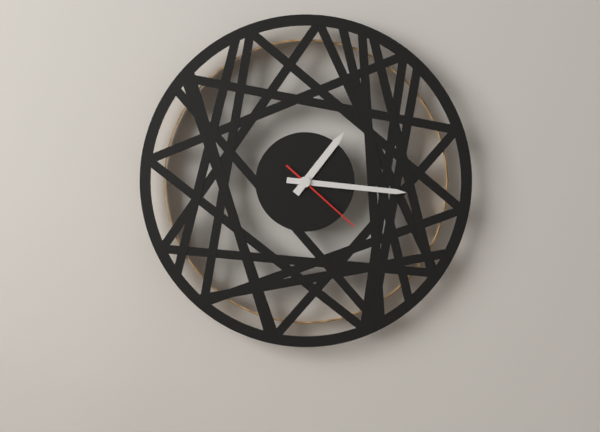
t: h=1 m=16 s=22
